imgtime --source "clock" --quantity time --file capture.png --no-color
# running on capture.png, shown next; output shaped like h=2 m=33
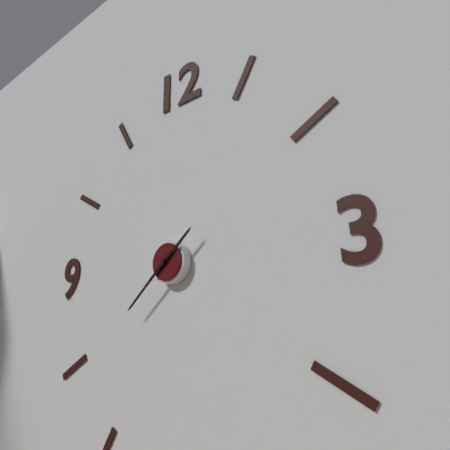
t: h=1 m=38
